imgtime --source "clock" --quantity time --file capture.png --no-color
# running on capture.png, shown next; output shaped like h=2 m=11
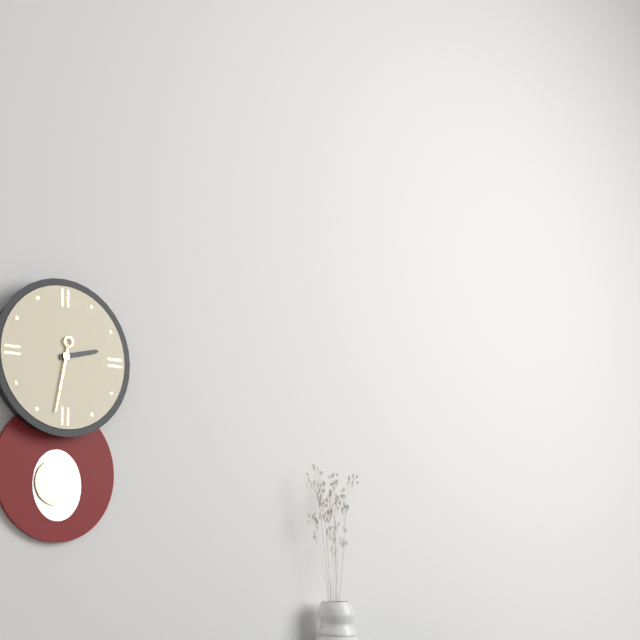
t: h=2 m=32
